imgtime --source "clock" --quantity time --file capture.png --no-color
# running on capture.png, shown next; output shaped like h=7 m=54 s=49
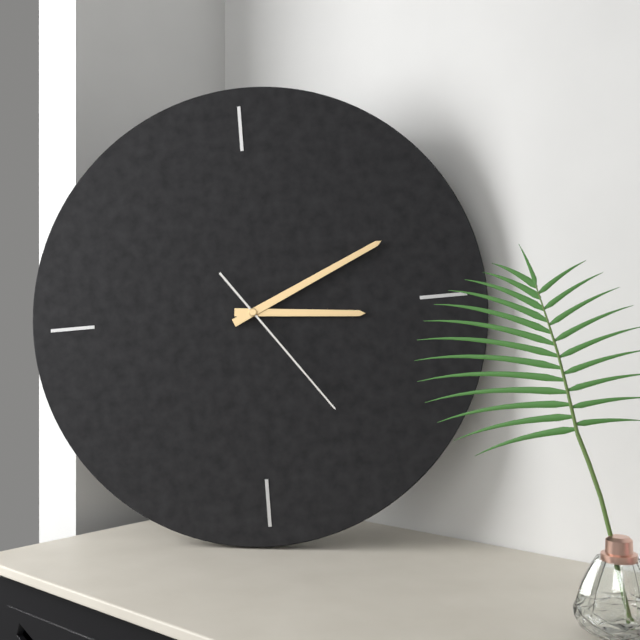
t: h=3 m=11 s=24
